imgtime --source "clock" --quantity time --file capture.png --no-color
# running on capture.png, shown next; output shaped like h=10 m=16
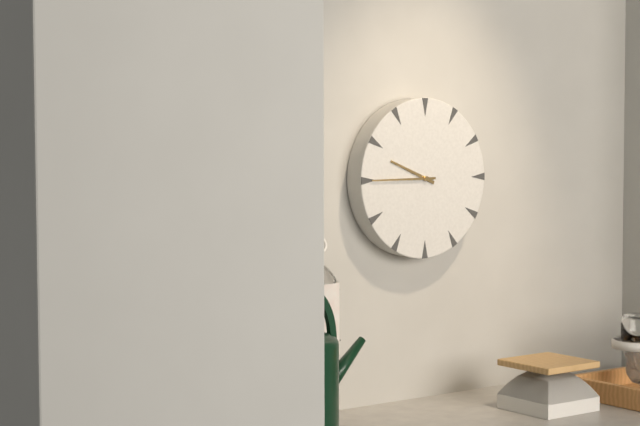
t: h=9 m=45
